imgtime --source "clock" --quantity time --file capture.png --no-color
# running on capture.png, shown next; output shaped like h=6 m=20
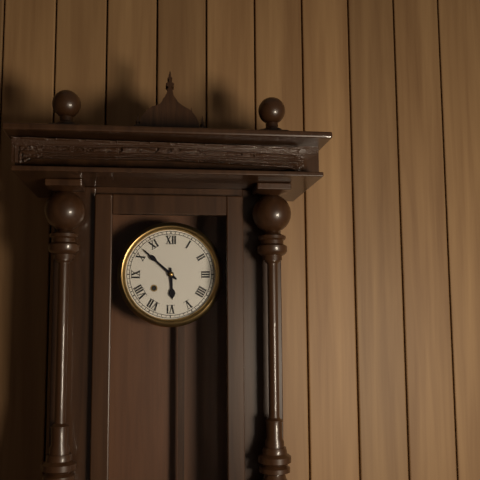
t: h=5 m=52
